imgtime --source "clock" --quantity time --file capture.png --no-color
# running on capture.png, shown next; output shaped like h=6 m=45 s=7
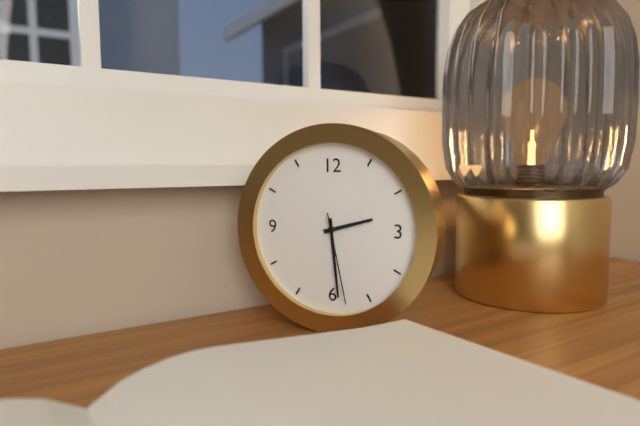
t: h=2 m=29 s=28
